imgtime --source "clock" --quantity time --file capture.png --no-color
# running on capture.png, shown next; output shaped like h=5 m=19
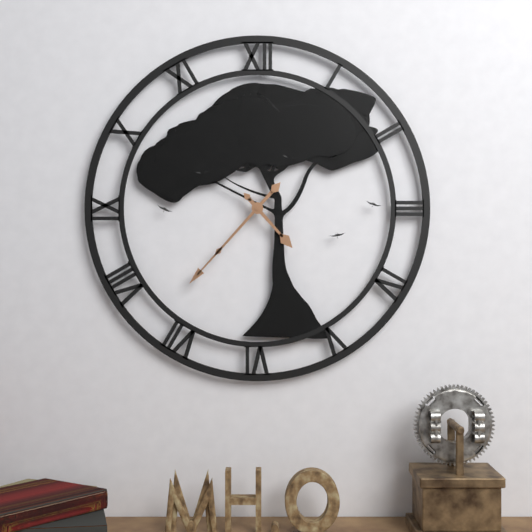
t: h=4 m=37
